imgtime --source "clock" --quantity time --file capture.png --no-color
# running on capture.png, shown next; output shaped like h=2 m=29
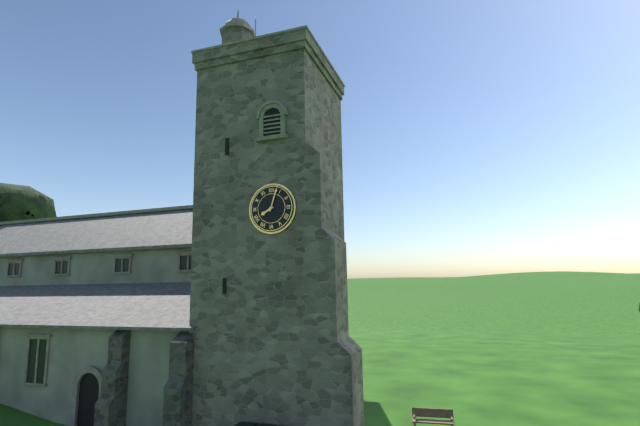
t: h=8 m=3
